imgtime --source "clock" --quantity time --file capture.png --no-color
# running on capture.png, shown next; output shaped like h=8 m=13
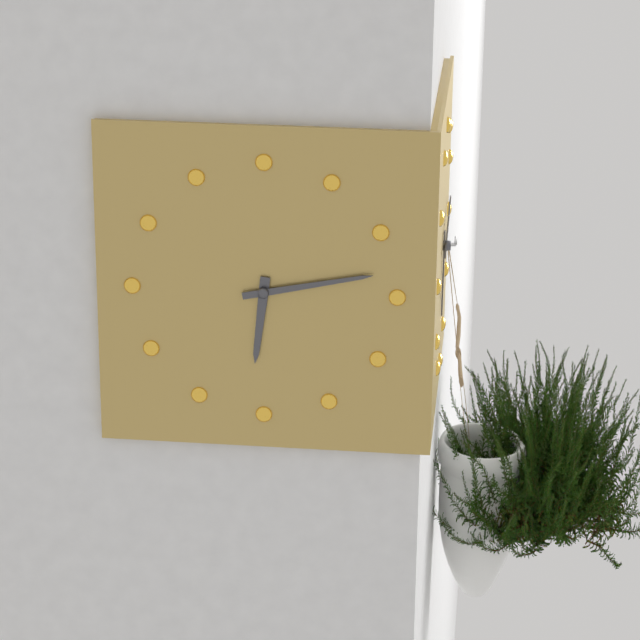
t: h=6 m=13
